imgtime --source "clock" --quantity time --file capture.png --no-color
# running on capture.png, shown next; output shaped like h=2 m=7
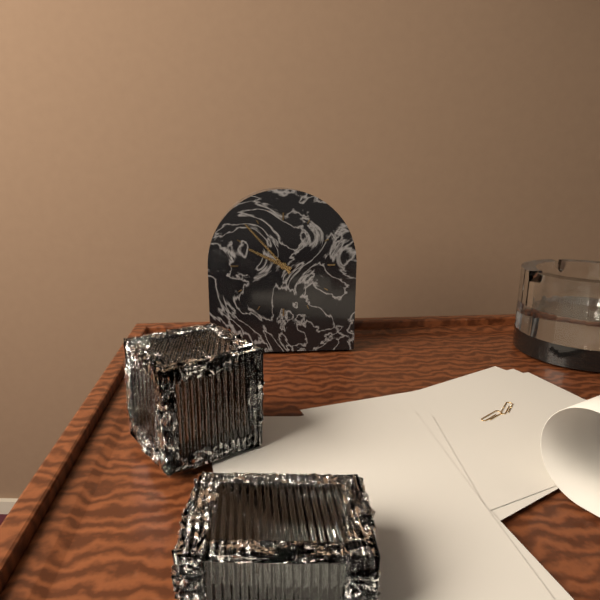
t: h=9 m=53
